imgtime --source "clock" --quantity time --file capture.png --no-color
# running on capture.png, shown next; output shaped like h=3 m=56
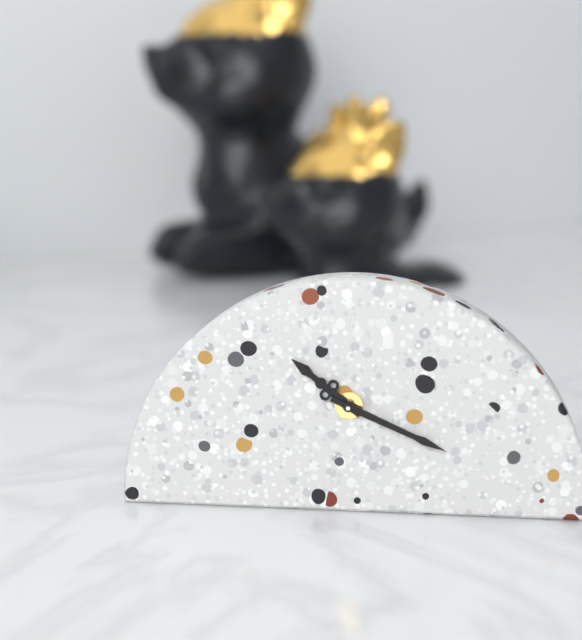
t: h=10 m=19
